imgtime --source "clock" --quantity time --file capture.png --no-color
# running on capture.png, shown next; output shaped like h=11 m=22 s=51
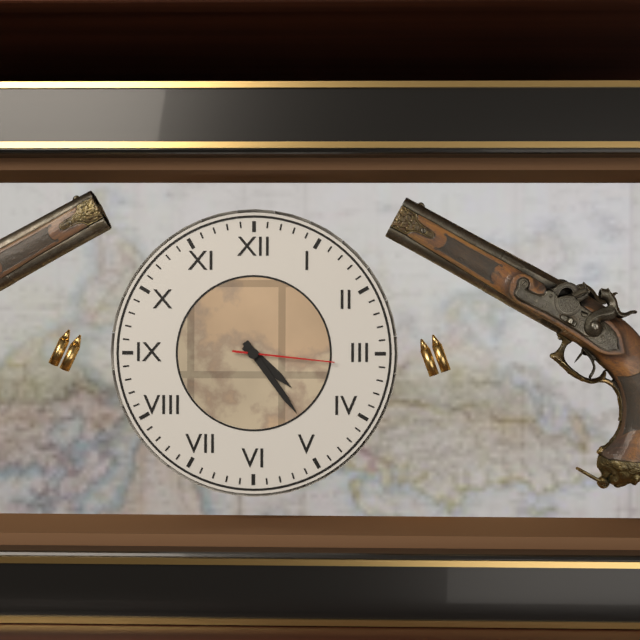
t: h=4 m=24 s=16
